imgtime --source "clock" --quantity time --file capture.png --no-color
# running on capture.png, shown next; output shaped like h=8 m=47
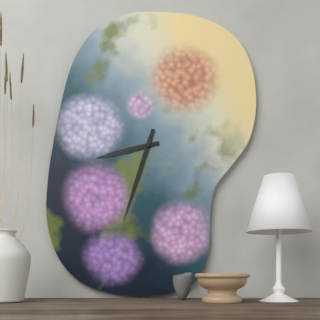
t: h=8 m=33
